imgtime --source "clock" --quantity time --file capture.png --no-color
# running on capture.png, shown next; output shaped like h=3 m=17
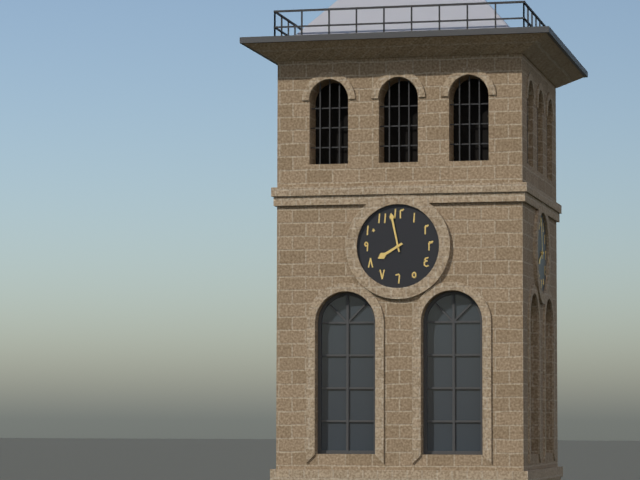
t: h=7 m=58
